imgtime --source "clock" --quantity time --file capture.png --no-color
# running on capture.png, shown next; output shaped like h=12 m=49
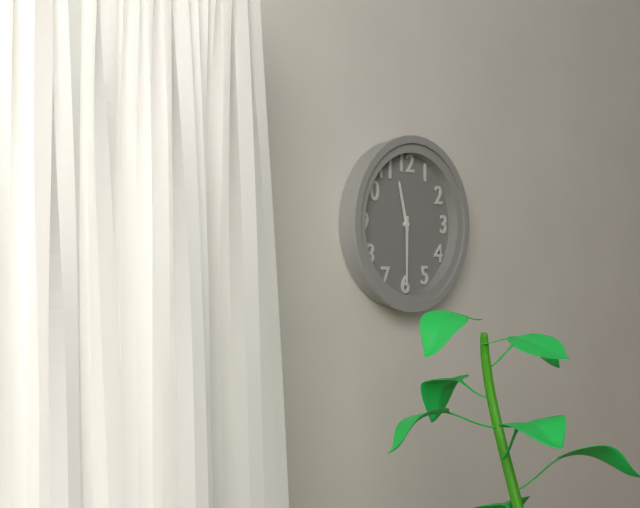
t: h=11 m=30
